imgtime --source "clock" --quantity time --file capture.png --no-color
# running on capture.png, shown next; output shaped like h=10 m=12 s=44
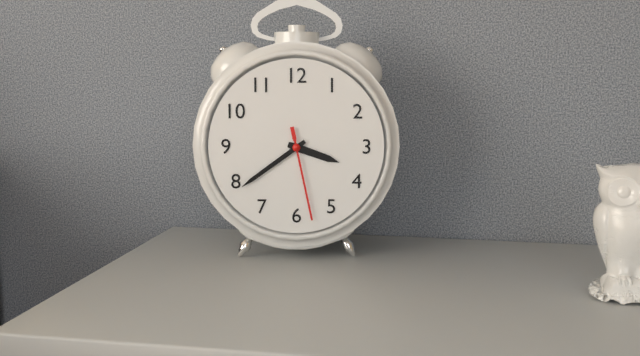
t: h=3 m=39 s=28
